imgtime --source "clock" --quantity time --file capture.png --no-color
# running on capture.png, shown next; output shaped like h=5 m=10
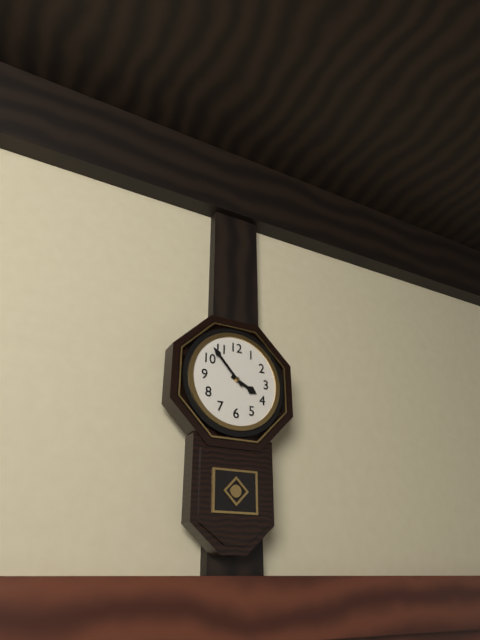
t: h=3 m=53
